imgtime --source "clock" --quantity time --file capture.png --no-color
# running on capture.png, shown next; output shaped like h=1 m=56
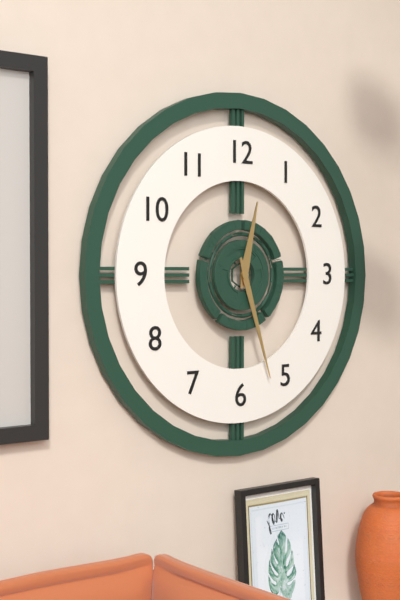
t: h=12 m=27
